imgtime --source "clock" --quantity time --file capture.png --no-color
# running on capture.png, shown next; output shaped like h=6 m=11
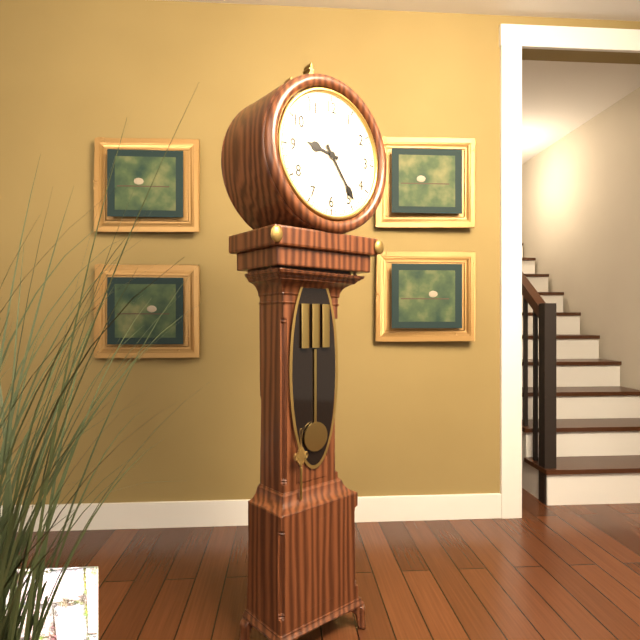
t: h=9 m=24
